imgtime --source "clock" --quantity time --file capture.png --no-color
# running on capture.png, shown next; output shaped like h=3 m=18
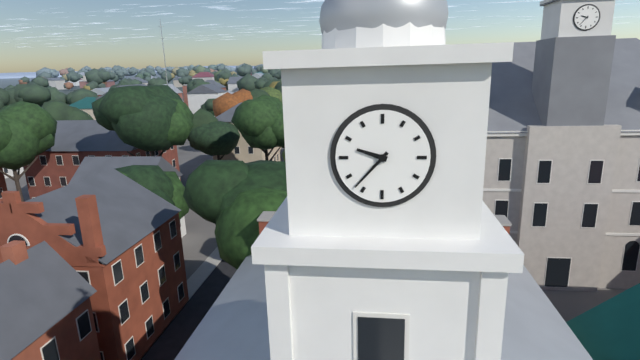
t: h=9 m=37
